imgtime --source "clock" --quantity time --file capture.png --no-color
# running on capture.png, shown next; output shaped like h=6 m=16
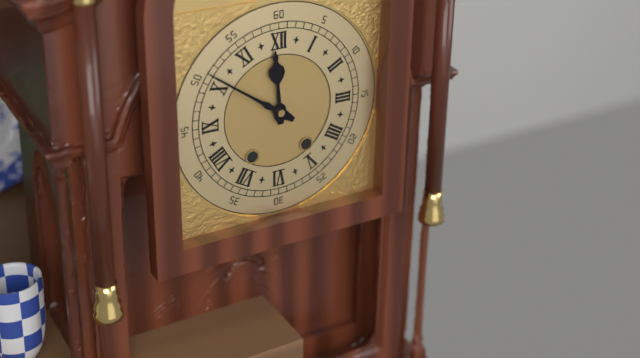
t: h=11 m=51
